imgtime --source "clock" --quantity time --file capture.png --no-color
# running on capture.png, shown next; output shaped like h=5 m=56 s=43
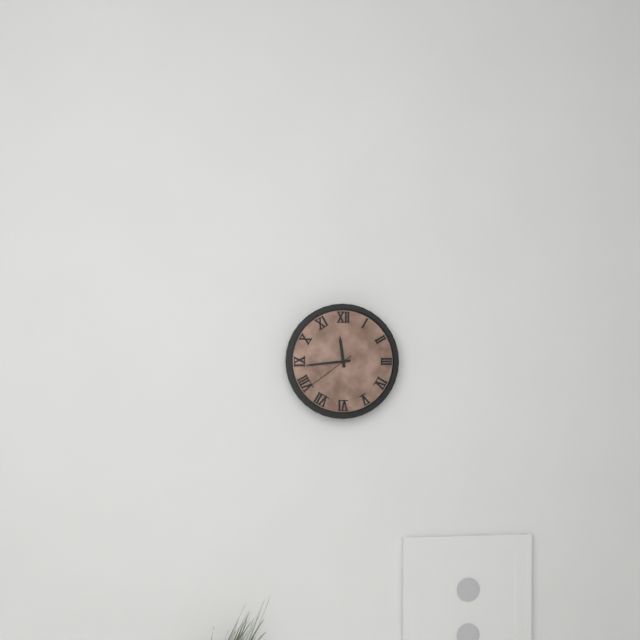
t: h=11 m=44 s=39
